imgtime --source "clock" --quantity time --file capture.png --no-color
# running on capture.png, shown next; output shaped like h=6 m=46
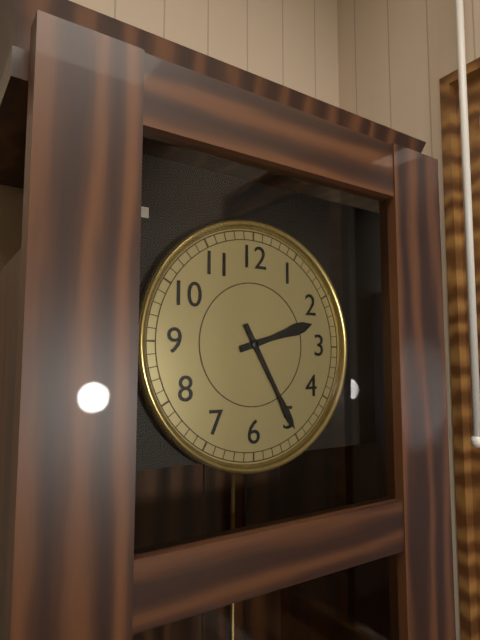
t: h=2 m=25
